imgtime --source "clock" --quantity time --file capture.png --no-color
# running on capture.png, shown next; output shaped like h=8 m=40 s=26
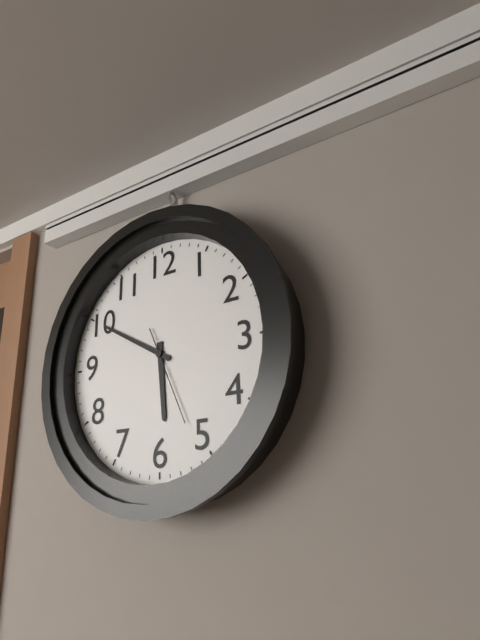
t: h=5 m=50 s=26
